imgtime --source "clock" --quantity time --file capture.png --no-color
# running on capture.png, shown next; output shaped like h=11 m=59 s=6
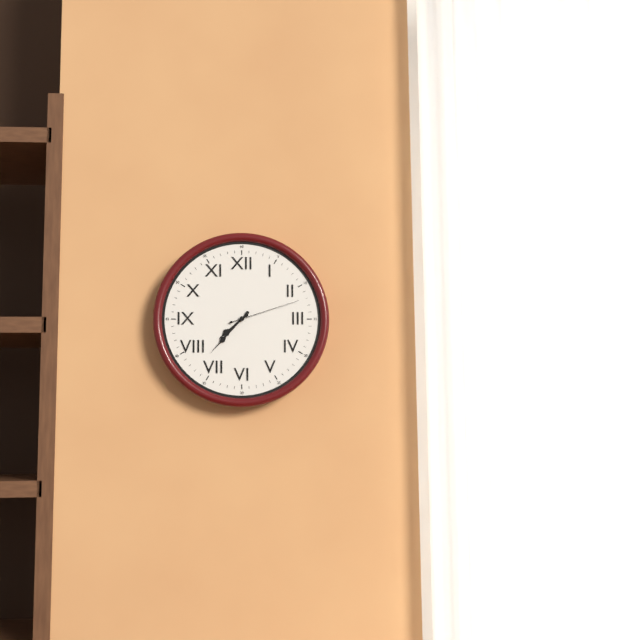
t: h=7 m=37 s=12
